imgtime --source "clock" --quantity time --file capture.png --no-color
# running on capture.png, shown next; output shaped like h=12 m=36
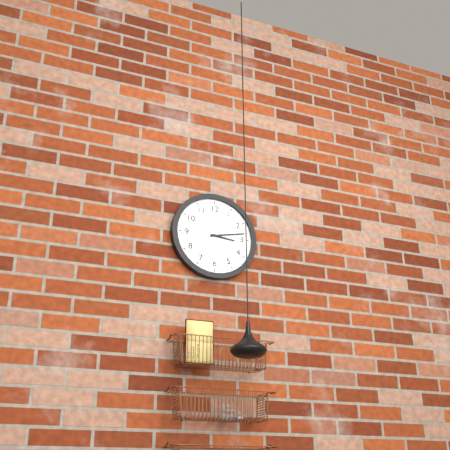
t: h=3 m=13
